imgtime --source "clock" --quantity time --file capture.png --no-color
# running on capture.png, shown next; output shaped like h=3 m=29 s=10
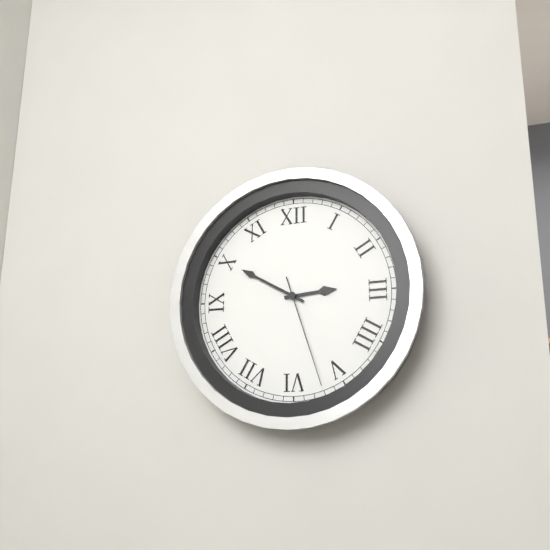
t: h=2 m=50 s=27
